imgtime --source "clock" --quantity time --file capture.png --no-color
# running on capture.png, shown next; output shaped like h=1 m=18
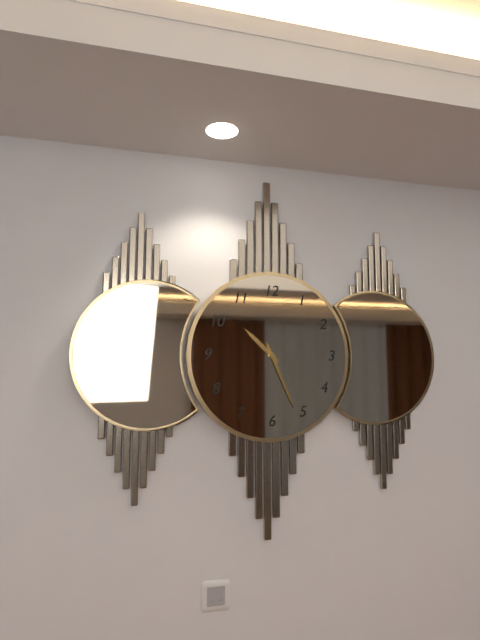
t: h=10 m=26
